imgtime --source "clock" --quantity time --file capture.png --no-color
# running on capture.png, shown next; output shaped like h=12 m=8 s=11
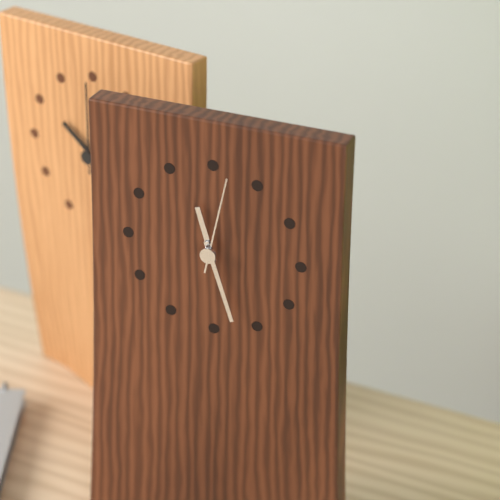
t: h=11 m=27 s=2
